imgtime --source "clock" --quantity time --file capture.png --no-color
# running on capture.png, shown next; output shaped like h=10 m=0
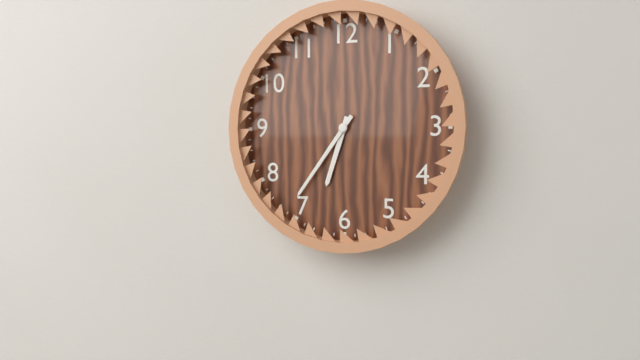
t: h=6 m=36
